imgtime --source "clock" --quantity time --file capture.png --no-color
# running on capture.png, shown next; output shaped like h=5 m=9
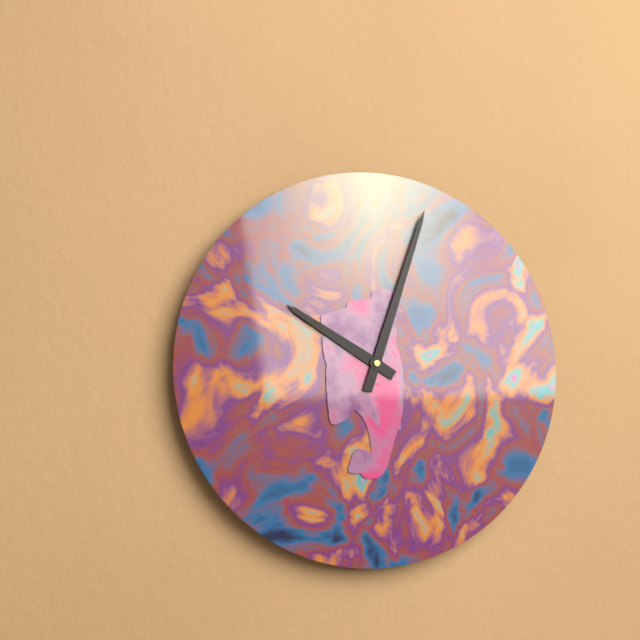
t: h=10 m=3
